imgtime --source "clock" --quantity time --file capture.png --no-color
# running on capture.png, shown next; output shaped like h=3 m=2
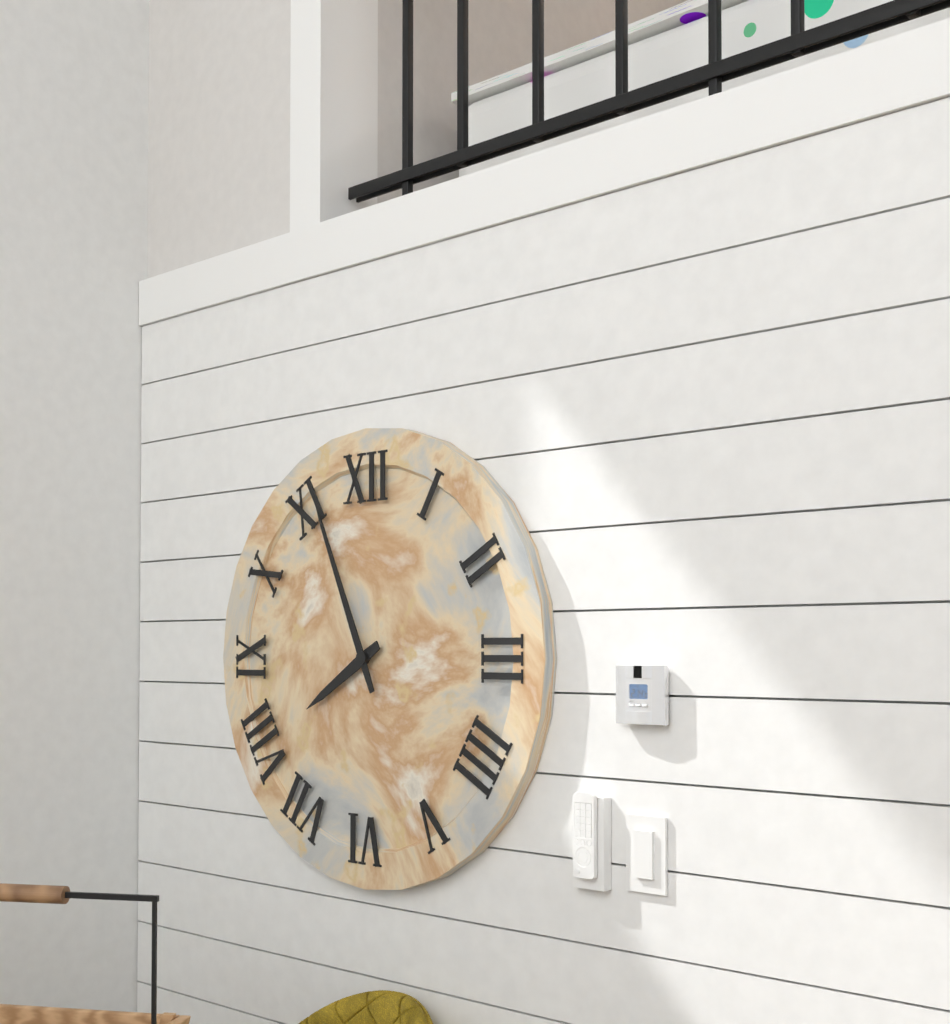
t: h=7 m=56
